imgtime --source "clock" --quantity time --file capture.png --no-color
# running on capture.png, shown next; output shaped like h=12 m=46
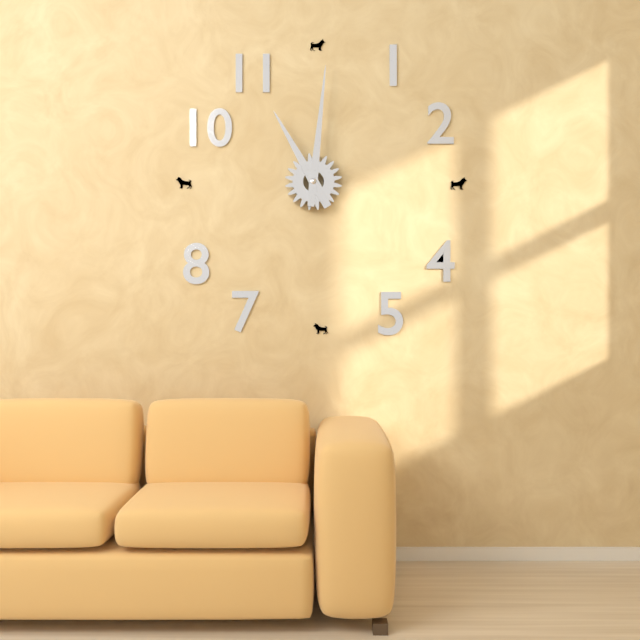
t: h=11 m=1
